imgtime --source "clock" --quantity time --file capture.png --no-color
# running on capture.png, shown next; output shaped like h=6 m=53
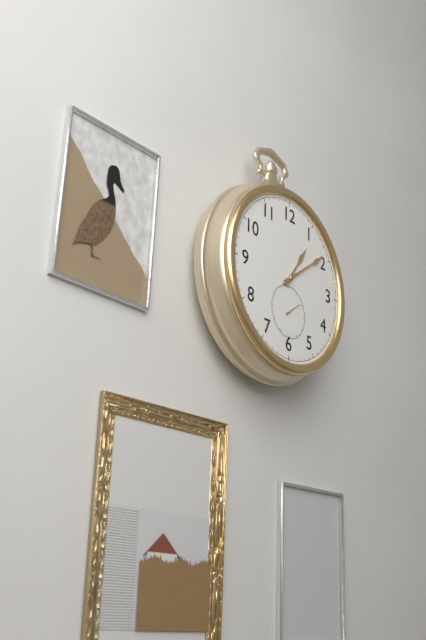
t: h=1 m=9
